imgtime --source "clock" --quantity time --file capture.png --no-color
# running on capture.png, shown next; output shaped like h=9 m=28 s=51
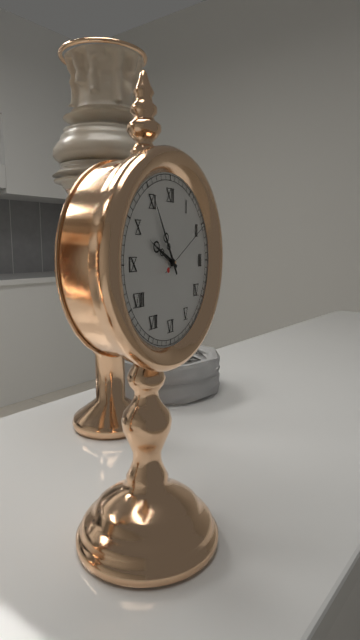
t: h=9 m=55 s=10
